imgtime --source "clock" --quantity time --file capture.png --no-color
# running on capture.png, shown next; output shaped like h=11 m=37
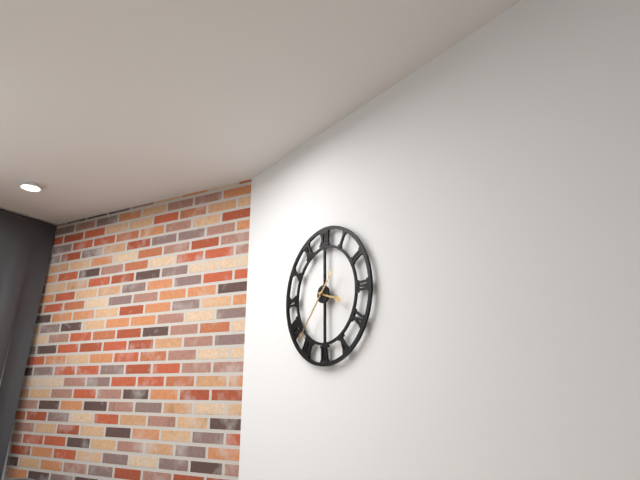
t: h=3 m=37
